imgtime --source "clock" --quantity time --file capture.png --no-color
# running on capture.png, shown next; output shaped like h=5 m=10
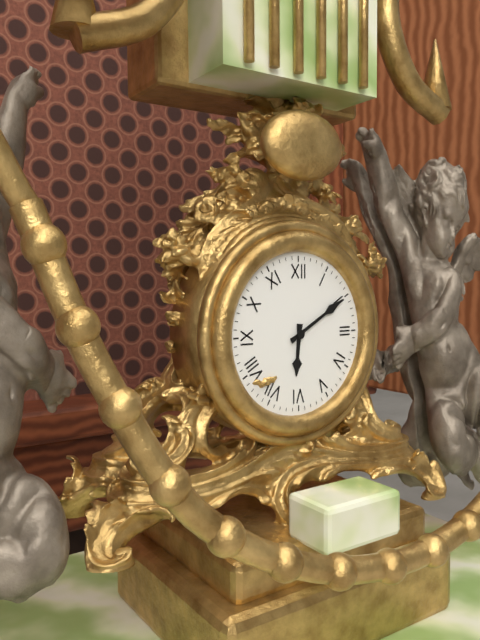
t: h=6 m=10
